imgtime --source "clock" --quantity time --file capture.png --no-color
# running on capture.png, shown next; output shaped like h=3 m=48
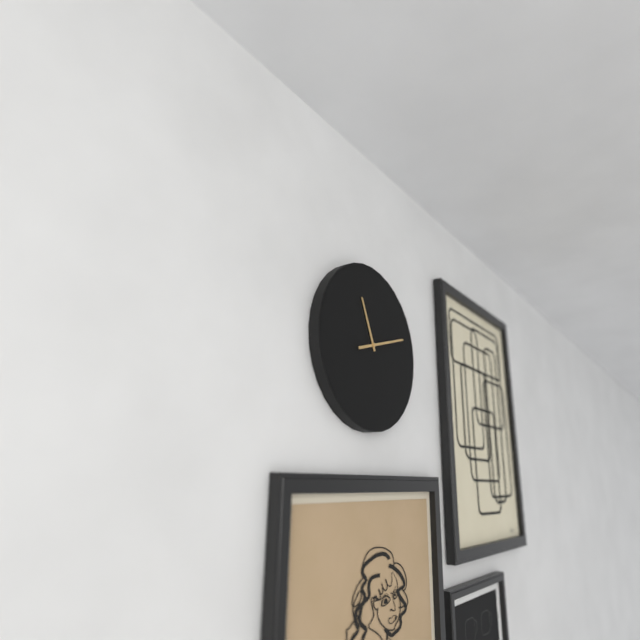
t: h=11 m=12
